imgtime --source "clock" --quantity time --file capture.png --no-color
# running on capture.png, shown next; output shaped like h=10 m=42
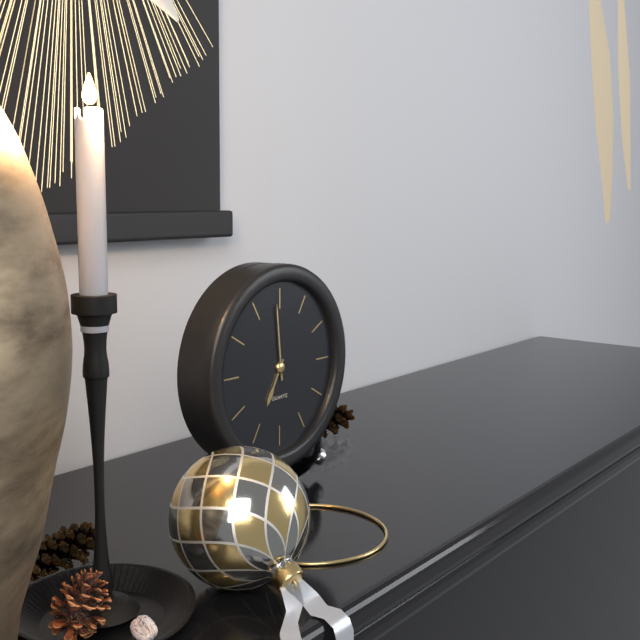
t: h=6 m=59
